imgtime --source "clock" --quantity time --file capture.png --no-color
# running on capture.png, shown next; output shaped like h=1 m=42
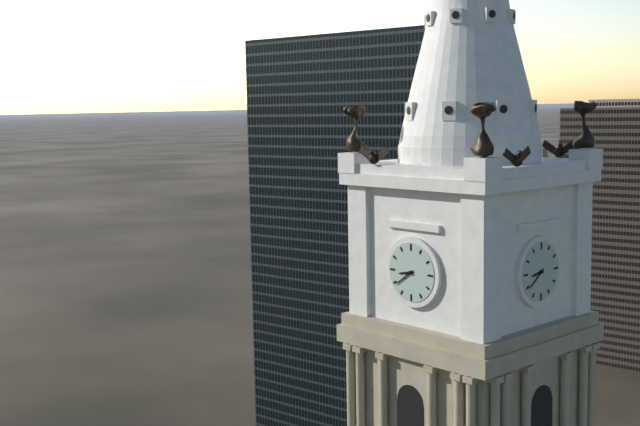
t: h=8 m=39
